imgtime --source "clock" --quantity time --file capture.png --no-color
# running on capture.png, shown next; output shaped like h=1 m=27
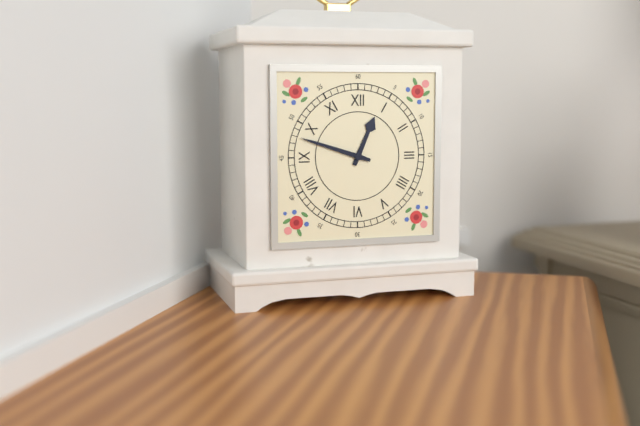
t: h=12 m=48
